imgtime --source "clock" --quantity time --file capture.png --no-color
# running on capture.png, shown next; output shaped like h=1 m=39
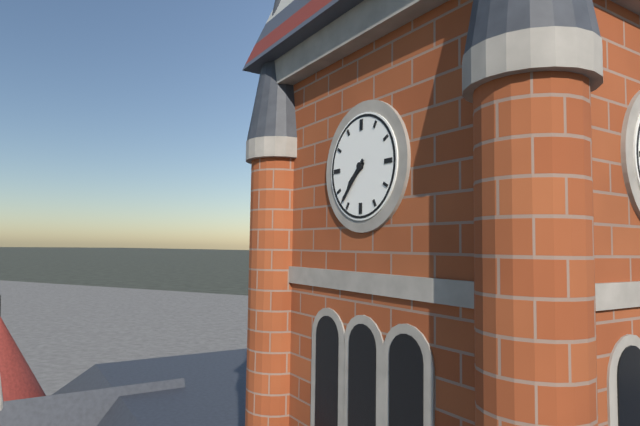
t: h=7 m=37
